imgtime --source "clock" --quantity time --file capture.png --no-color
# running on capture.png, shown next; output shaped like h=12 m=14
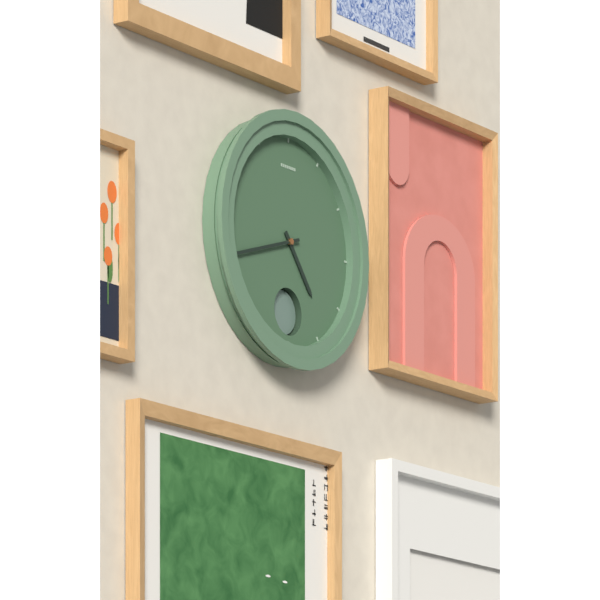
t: h=4 m=42
